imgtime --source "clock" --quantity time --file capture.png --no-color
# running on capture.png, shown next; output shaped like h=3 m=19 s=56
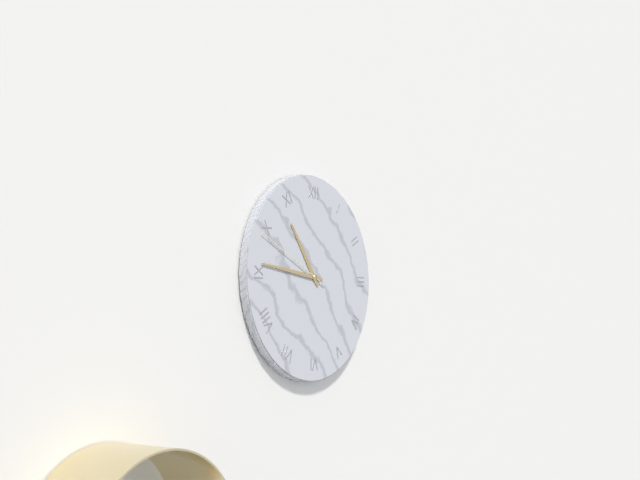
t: h=10 m=46 s=49
